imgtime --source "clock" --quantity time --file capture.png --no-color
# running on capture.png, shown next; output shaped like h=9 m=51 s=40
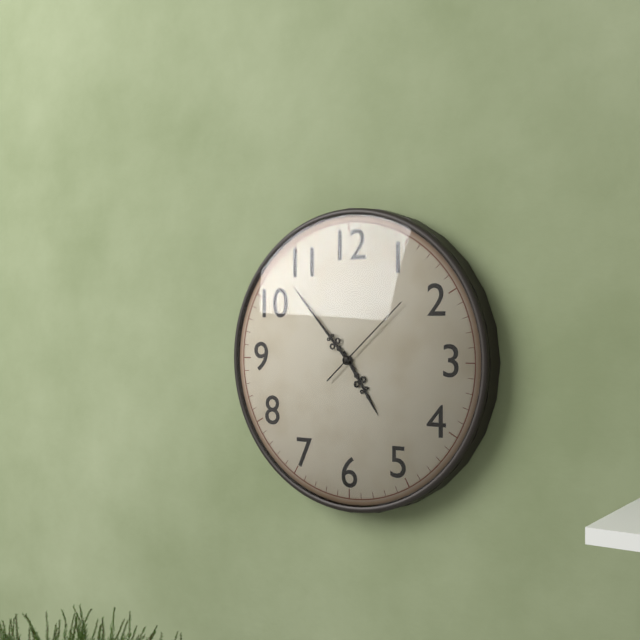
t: h=4 m=53 s=8
